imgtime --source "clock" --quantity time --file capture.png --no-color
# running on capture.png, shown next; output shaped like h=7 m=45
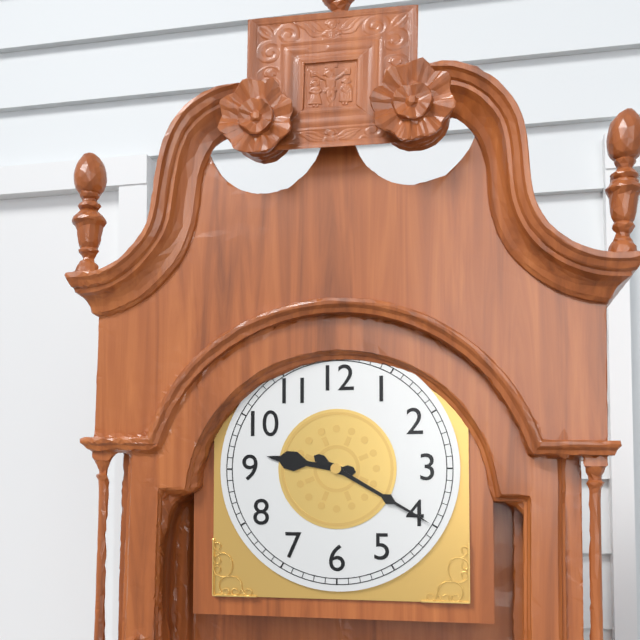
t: h=9 m=20
